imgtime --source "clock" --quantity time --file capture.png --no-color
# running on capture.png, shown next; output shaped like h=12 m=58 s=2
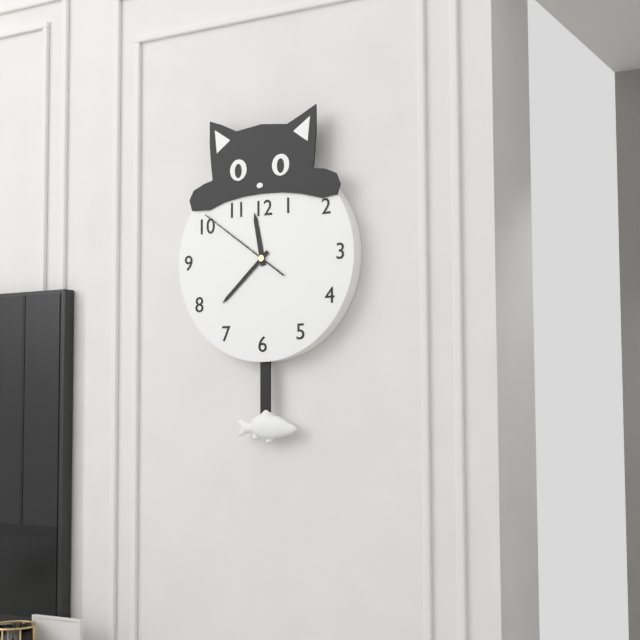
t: h=11 m=38 s=51
